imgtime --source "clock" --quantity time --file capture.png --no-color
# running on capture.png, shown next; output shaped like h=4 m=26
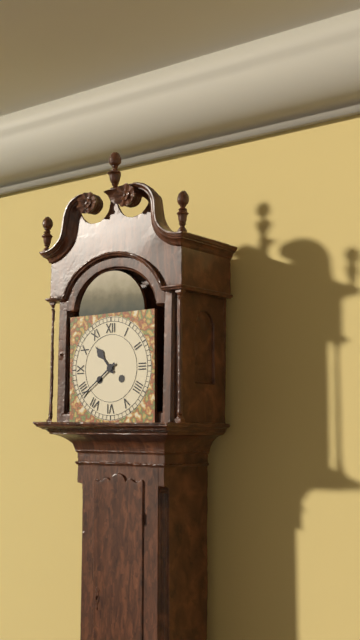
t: h=10 m=39
